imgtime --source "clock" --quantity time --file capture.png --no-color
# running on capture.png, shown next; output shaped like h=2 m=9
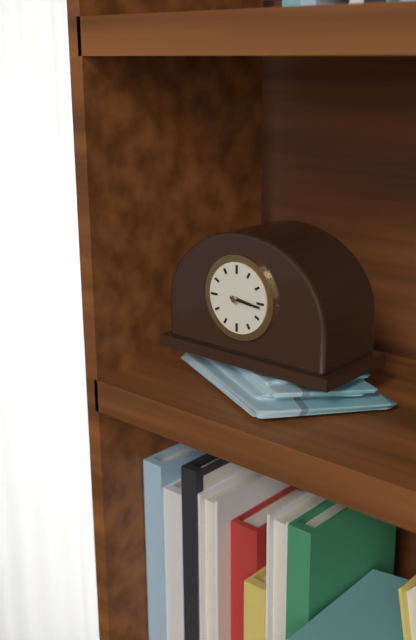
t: h=3 m=16
